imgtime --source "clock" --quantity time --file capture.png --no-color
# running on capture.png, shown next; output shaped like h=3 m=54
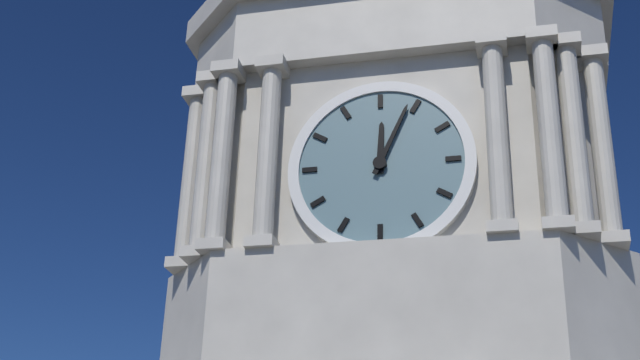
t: h=12 m=4
